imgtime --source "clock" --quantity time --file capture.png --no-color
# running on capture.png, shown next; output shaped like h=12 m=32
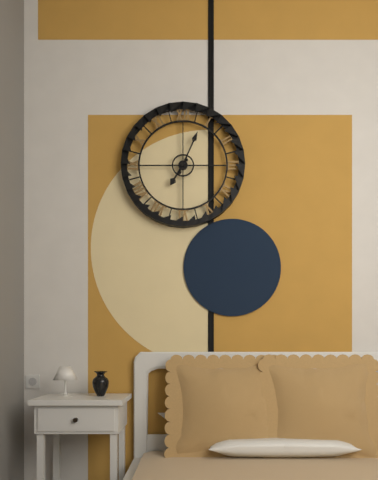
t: h=7 m=4
